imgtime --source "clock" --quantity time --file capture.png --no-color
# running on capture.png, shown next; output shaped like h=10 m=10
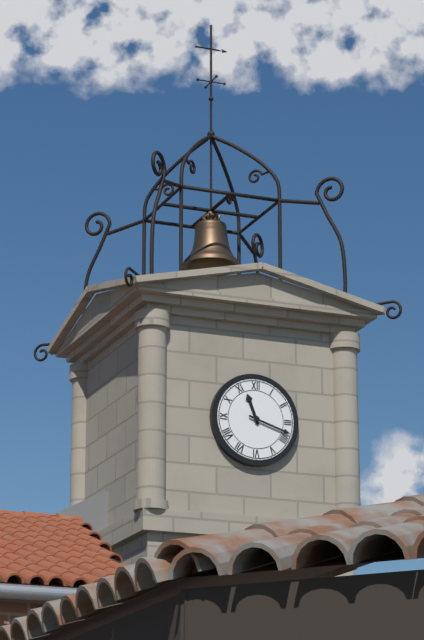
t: h=11 m=18
